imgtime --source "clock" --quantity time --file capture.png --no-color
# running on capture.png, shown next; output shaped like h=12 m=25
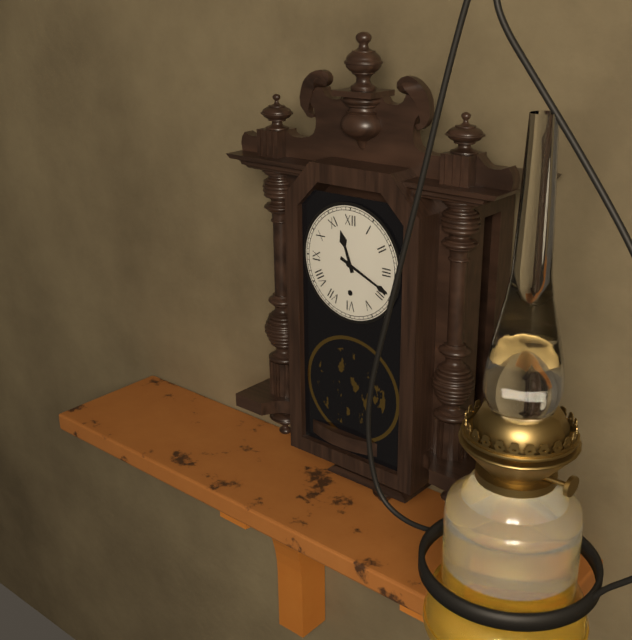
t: h=11 m=19
